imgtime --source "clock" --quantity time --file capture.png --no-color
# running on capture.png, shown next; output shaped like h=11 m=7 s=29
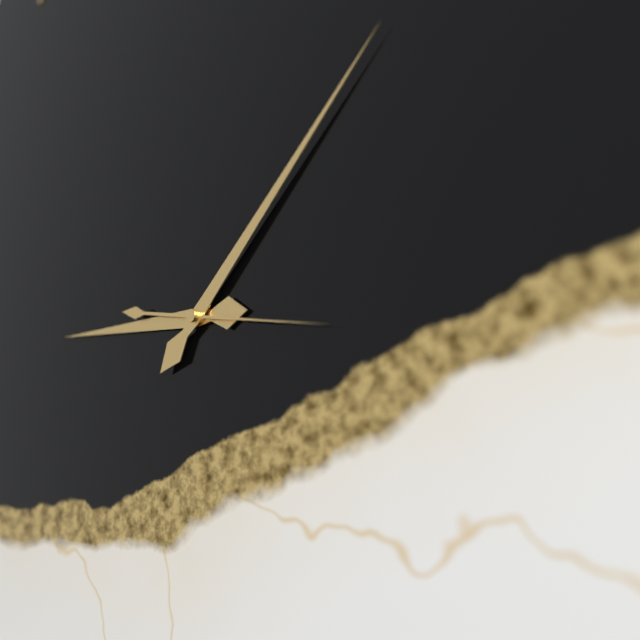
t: h=9 m=8 s=17
